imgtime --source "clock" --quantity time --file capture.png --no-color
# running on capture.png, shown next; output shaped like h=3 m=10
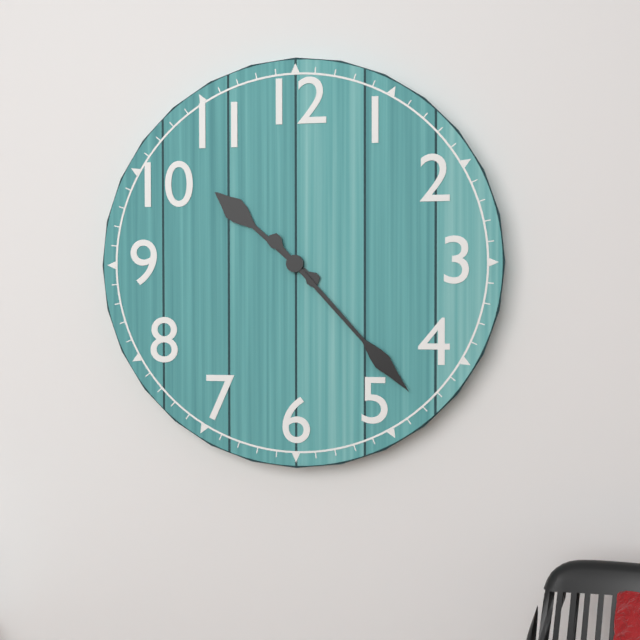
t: h=10 m=23
